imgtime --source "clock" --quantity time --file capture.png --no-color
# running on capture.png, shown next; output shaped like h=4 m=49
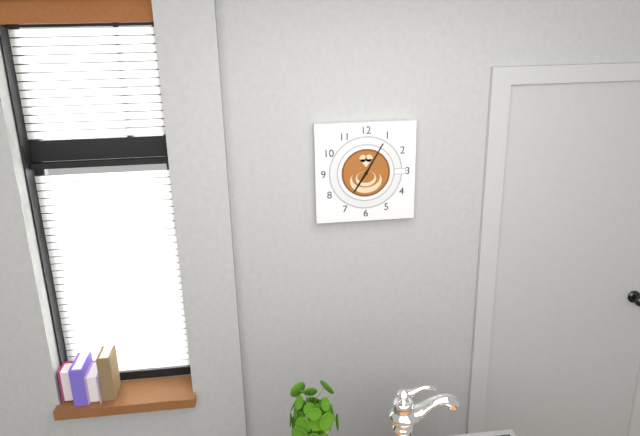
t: h=7 m=5
